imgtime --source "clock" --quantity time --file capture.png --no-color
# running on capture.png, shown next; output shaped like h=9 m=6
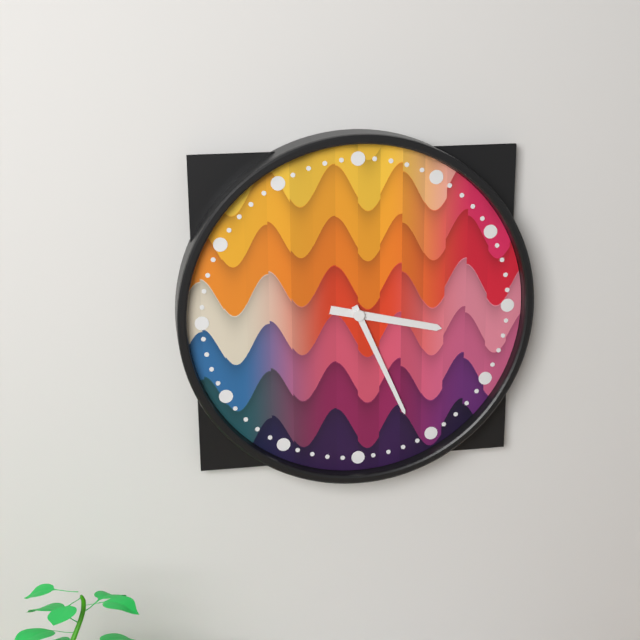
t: h=3 m=26
